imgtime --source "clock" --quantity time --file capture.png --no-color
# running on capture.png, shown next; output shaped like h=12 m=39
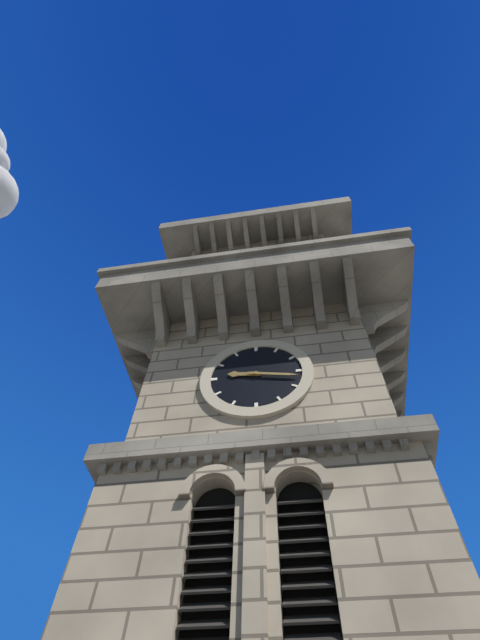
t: h=9 m=17
